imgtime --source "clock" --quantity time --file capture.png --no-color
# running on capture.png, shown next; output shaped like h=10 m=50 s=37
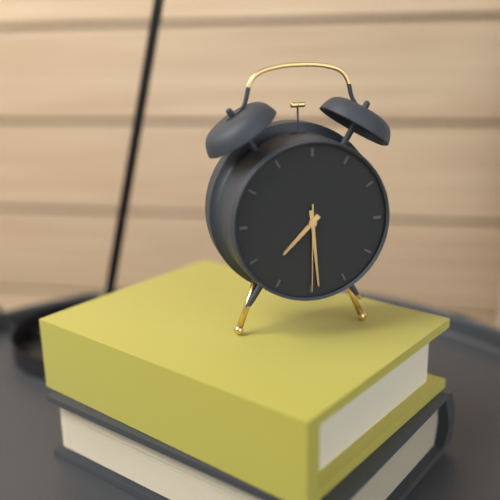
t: h=7 m=29 s=30
